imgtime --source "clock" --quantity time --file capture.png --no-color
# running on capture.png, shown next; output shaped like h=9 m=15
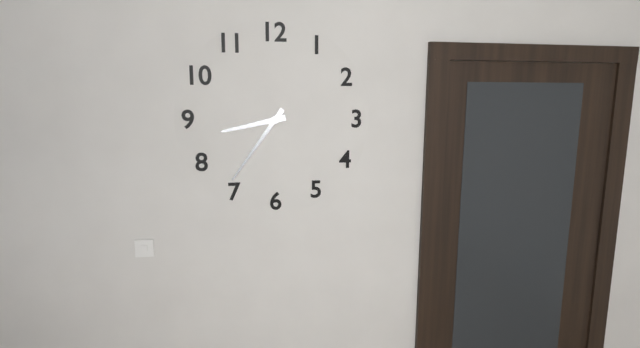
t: h=8 m=36
